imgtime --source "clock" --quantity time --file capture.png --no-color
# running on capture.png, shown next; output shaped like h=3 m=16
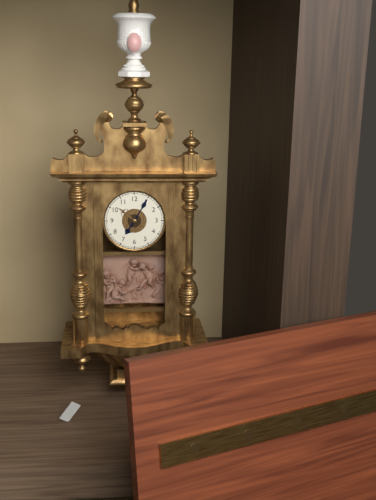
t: h=7 m=5
